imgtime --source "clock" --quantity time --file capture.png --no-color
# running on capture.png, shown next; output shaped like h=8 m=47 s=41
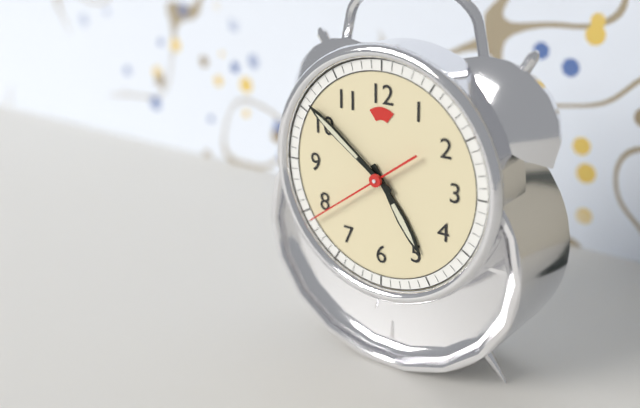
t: h=4 m=51 s=39
